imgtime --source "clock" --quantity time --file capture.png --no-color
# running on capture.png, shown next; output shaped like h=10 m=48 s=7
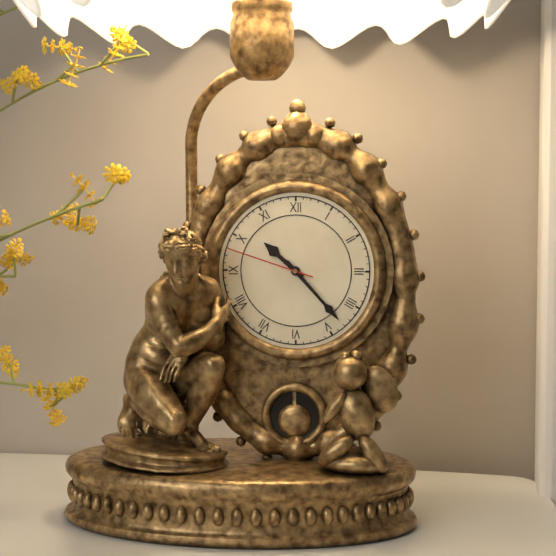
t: h=10 m=23 s=48
